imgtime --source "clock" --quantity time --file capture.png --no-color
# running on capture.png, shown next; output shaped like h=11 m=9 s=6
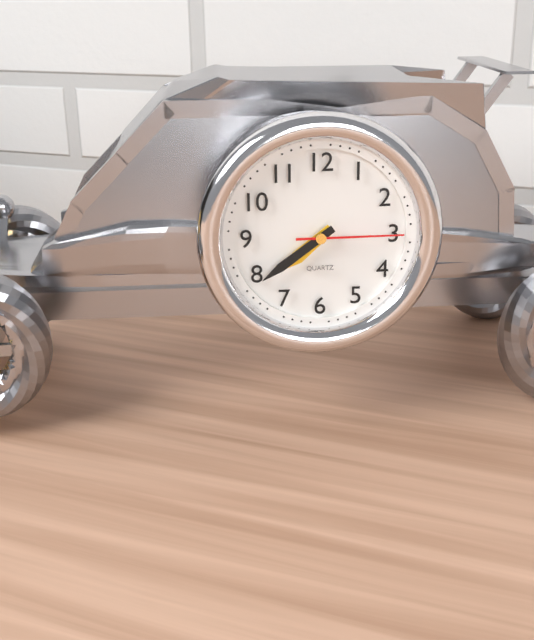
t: h=7 m=39 s=15
